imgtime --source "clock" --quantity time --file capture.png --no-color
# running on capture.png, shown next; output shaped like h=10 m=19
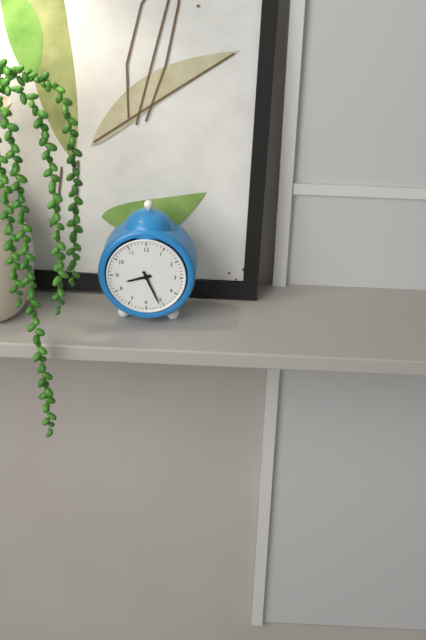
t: h=8 m=26
